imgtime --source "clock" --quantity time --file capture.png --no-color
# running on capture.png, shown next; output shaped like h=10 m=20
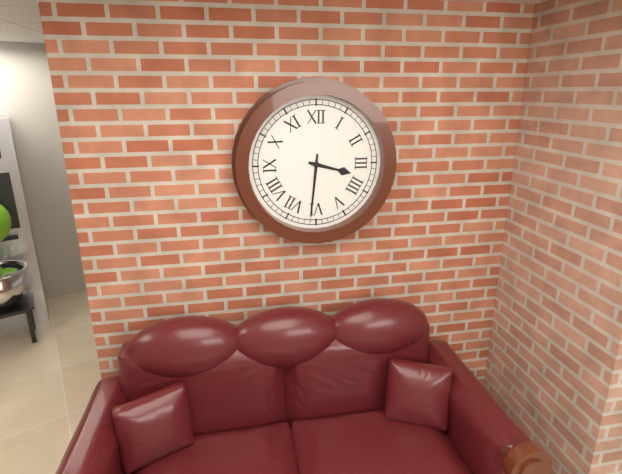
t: h=3 m=31
